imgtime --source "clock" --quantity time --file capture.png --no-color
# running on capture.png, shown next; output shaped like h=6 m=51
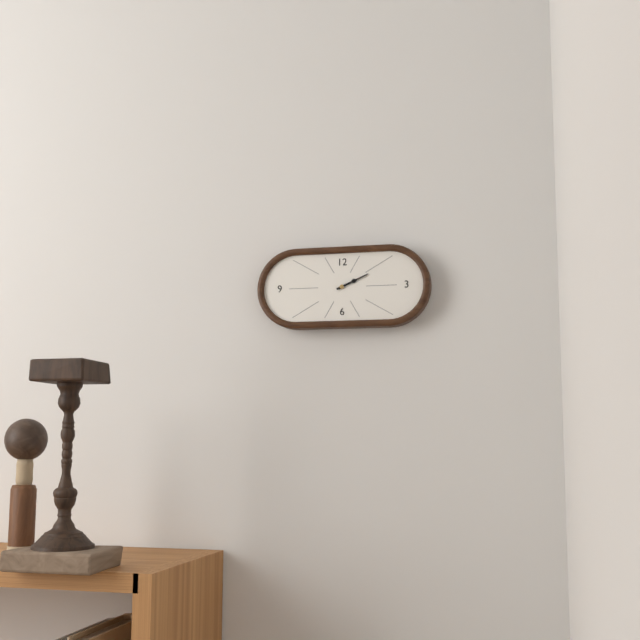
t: h=2 m=11
